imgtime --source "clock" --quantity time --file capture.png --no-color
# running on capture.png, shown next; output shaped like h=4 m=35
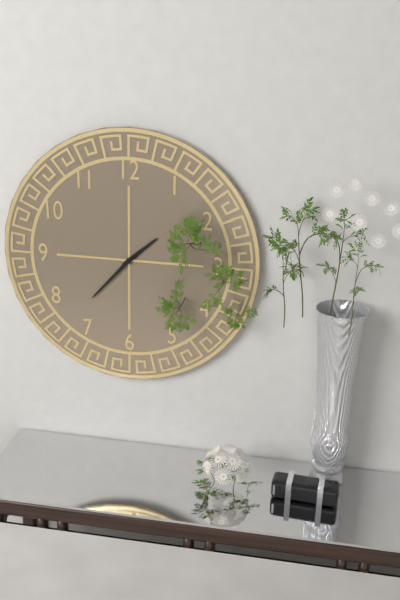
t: h=1 m=37
